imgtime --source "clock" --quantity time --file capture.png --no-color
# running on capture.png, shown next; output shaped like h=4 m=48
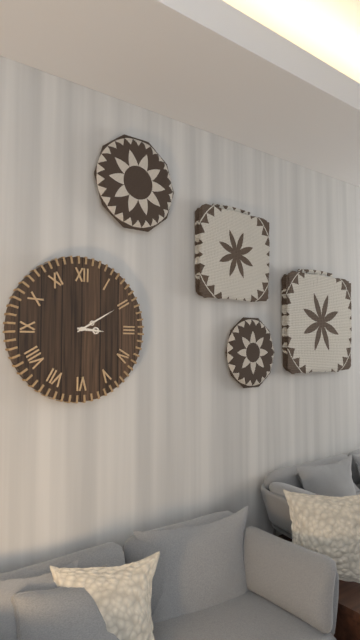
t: h=3 m=10
